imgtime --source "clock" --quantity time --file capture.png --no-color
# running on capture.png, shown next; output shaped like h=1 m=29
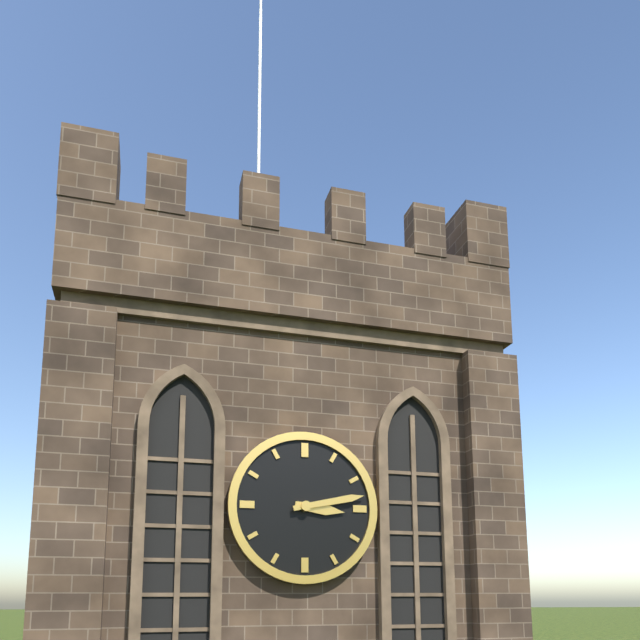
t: h=3 m=13
